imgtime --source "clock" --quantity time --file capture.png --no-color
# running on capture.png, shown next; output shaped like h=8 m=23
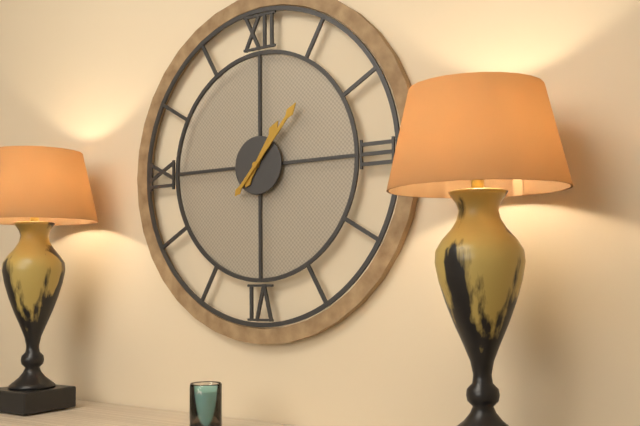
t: h=1 m=7
